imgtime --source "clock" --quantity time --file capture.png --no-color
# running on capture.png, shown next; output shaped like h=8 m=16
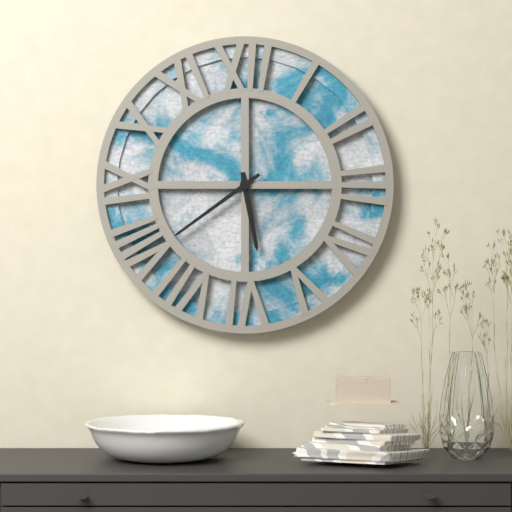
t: h=5 m=39
